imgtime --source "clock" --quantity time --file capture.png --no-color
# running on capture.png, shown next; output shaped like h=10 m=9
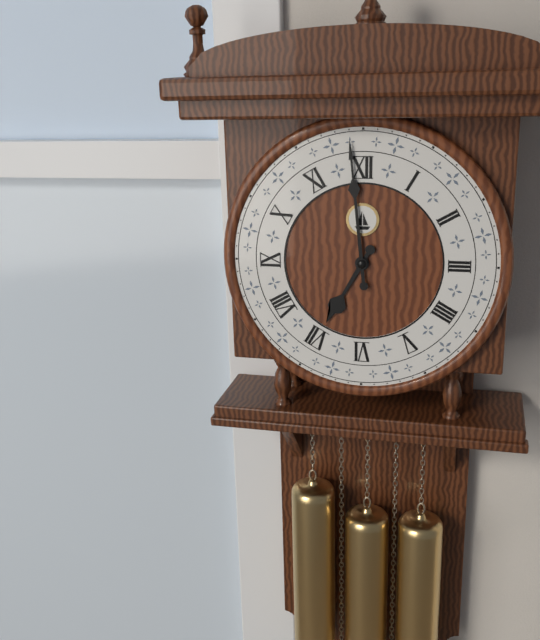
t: h=6 m=59
